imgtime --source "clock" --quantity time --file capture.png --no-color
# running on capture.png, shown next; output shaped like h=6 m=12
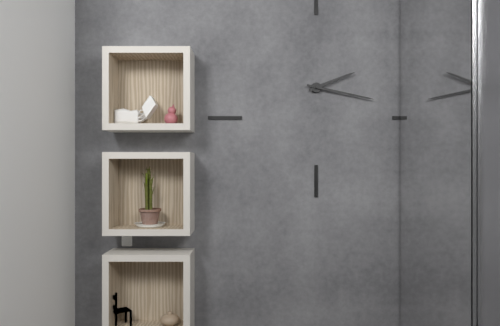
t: h=2 m=17
